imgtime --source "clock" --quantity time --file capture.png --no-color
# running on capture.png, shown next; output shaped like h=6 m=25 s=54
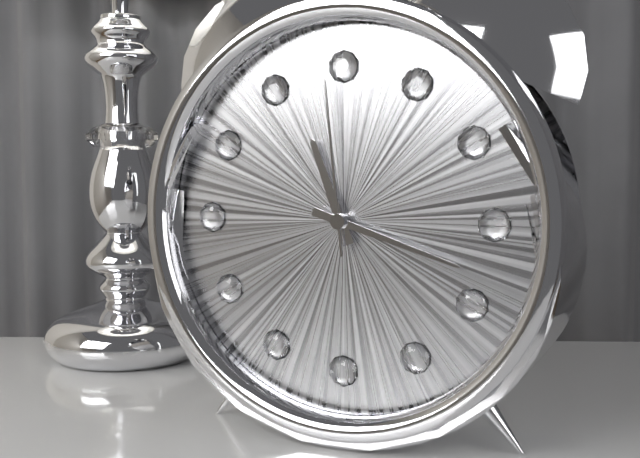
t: h=11 m=18 s=59
